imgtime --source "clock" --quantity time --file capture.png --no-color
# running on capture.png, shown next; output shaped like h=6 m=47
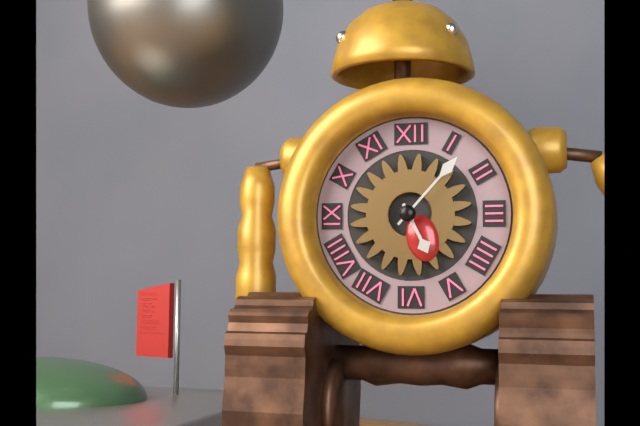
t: h=5 m=7
